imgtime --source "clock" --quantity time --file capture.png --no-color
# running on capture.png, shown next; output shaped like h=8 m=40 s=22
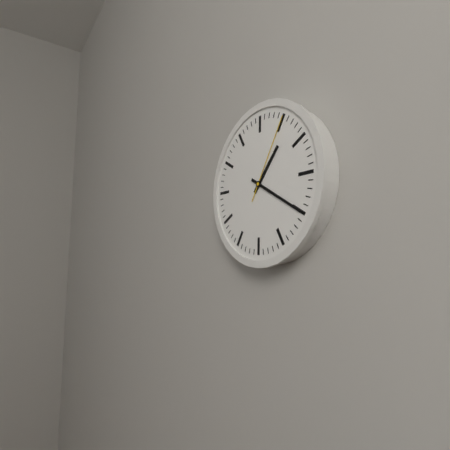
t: h=1 m=20 s=5
